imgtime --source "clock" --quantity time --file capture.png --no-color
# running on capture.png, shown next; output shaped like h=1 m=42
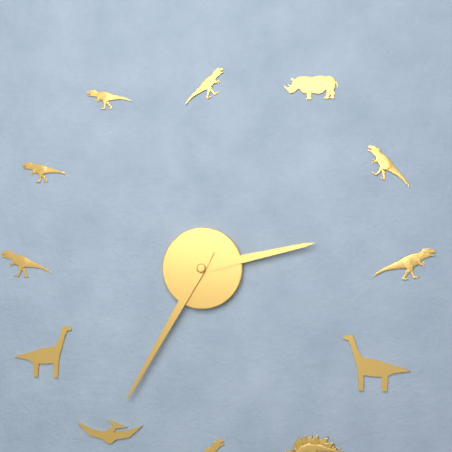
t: h=2 m=35
